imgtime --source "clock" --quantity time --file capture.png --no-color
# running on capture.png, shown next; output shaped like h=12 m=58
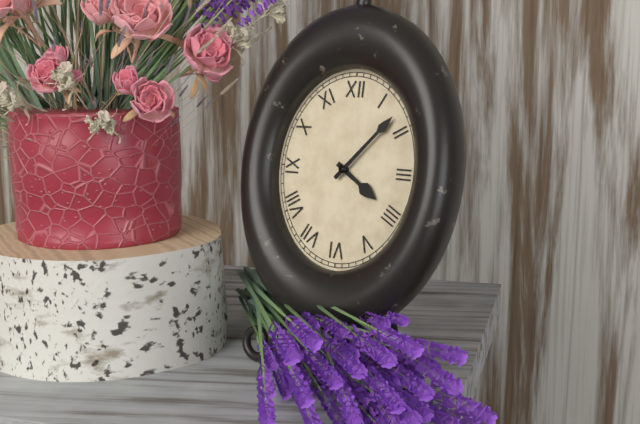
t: h=4 m=7
